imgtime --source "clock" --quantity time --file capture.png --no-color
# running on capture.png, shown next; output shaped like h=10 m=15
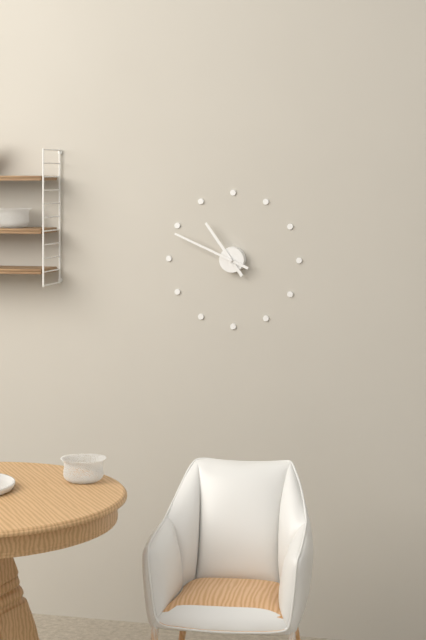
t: h=10 m=49
